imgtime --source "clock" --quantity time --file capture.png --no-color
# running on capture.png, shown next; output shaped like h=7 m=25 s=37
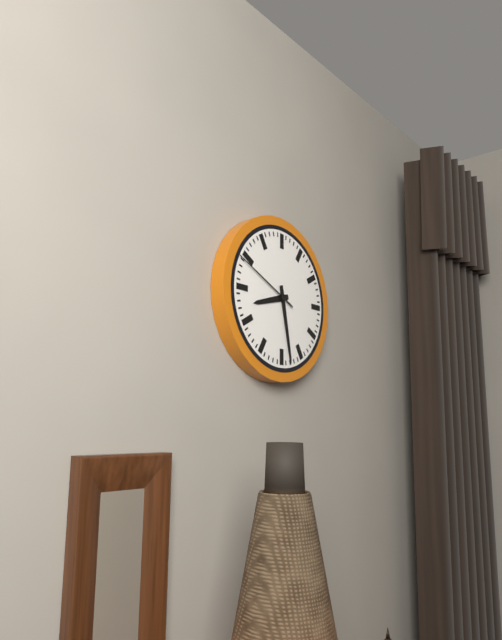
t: h=8 m=28 s=49
